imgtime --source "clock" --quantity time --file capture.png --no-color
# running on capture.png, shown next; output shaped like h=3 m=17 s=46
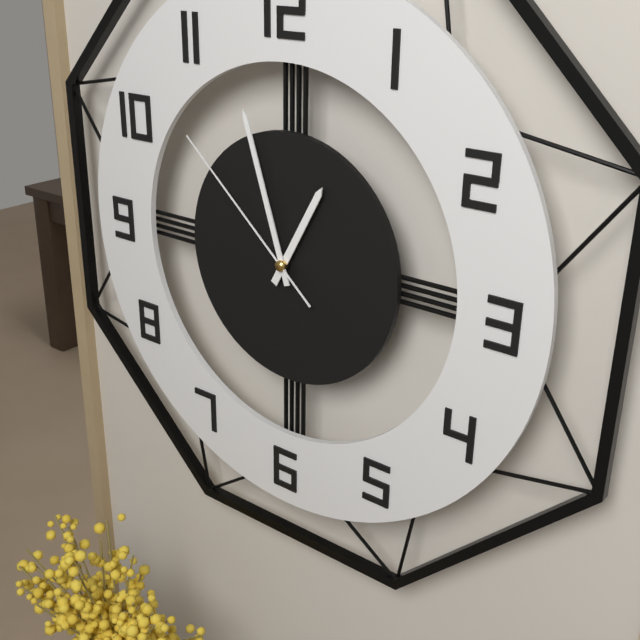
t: h=12 m=57 s=52
